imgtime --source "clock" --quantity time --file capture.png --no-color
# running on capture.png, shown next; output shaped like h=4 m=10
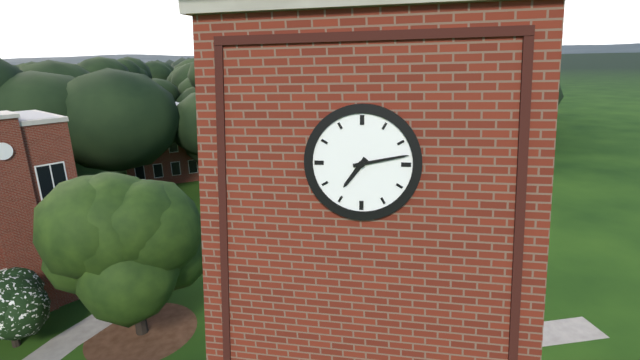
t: h=7 m=13
